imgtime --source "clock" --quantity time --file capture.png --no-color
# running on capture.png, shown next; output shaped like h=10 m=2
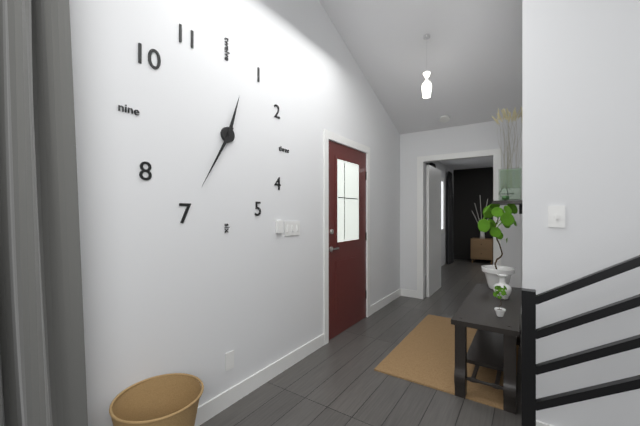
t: h=12 m=35
